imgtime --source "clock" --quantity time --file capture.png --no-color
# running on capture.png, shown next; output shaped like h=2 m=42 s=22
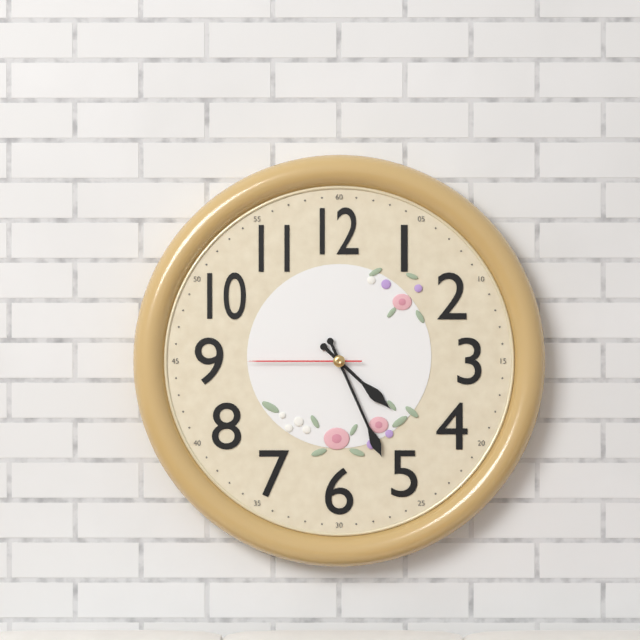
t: h=4 m=26 s=45
